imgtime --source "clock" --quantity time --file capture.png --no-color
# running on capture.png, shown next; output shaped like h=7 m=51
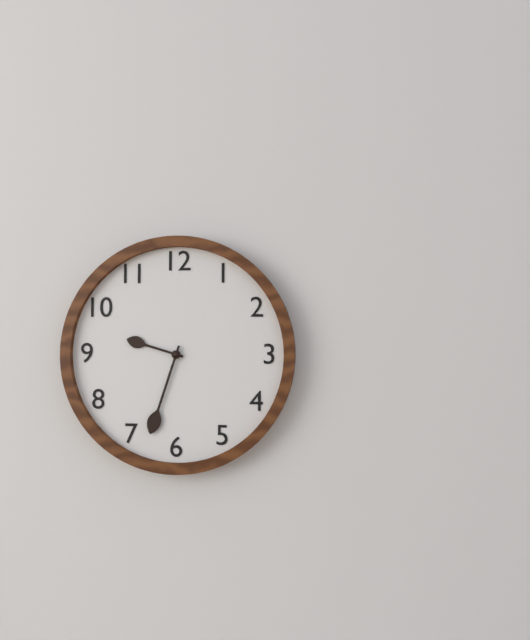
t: h=9 m=33
